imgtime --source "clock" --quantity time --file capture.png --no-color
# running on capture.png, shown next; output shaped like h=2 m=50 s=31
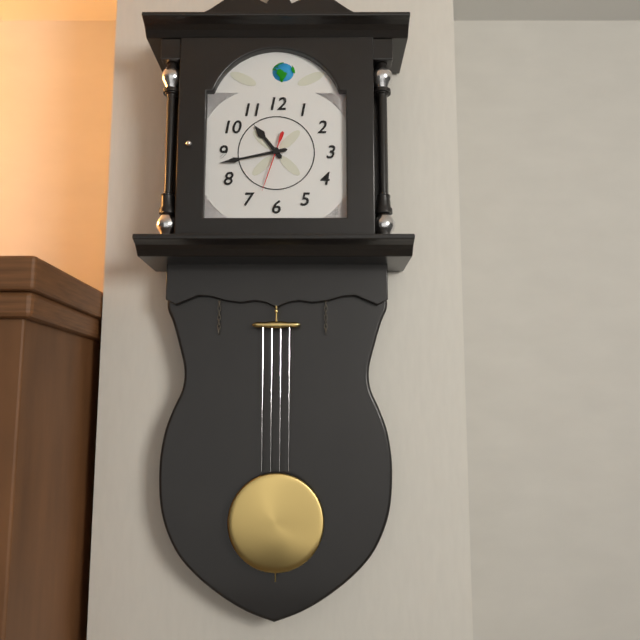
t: h=10 m=43 s=33
